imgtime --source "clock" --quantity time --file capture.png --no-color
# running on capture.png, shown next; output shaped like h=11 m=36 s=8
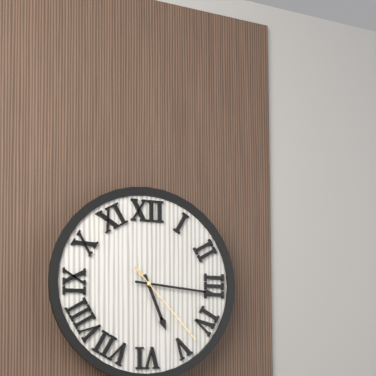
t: h=5 m=16 s=23
